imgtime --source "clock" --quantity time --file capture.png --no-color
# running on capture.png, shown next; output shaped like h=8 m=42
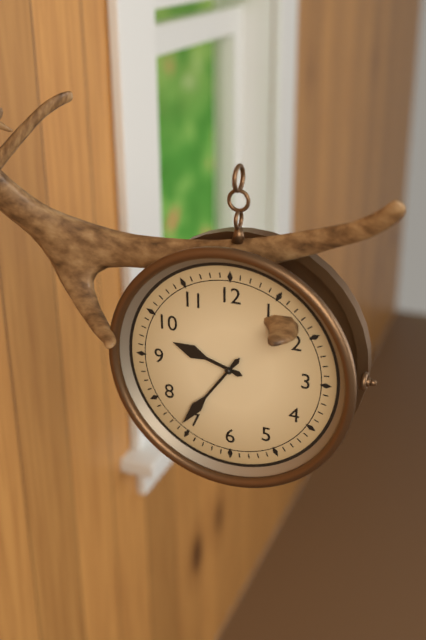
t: h=9 m=36
